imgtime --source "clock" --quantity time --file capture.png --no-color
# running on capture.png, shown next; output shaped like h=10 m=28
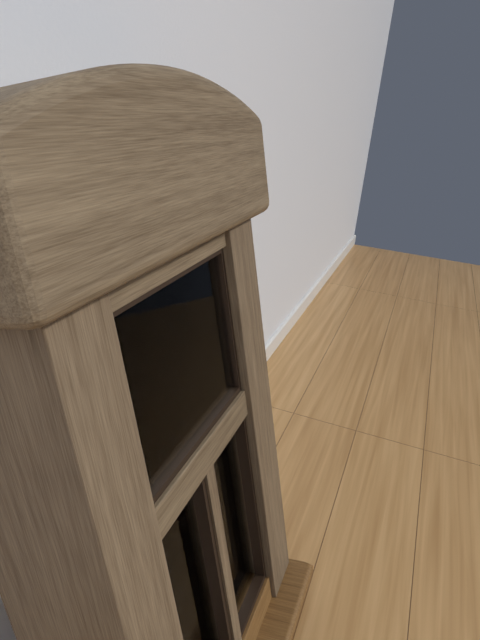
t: h=11 m=49
